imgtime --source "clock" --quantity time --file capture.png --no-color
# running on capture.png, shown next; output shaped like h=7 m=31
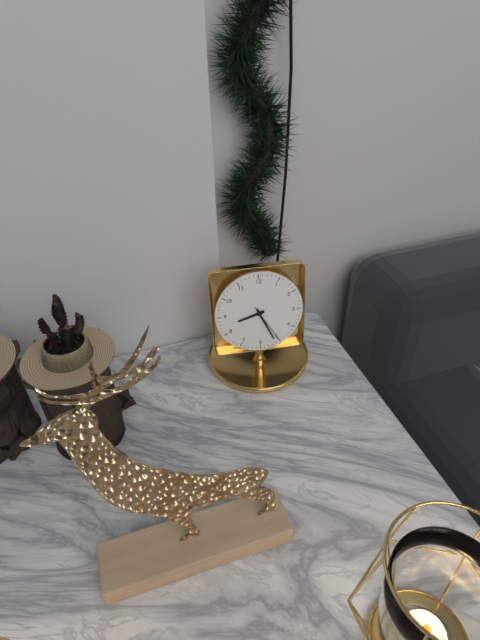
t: h=8 m=26
